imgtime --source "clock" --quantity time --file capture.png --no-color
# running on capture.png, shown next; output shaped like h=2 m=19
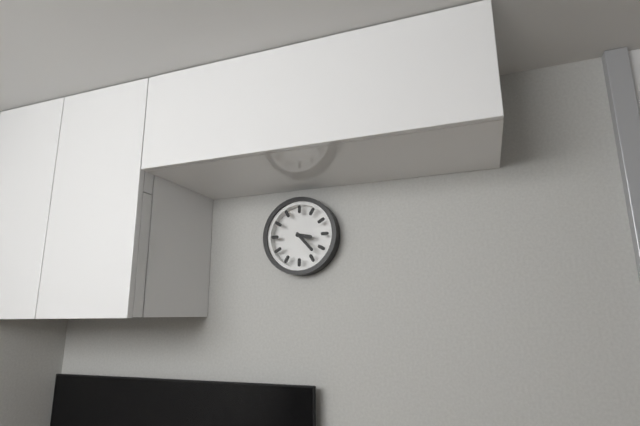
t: h=3 m=23
